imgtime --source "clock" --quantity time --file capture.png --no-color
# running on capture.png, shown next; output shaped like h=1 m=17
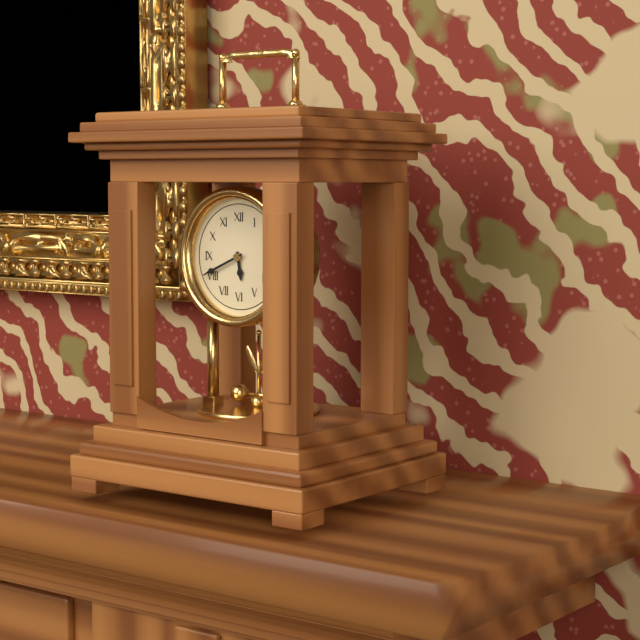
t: h=5 m=41
